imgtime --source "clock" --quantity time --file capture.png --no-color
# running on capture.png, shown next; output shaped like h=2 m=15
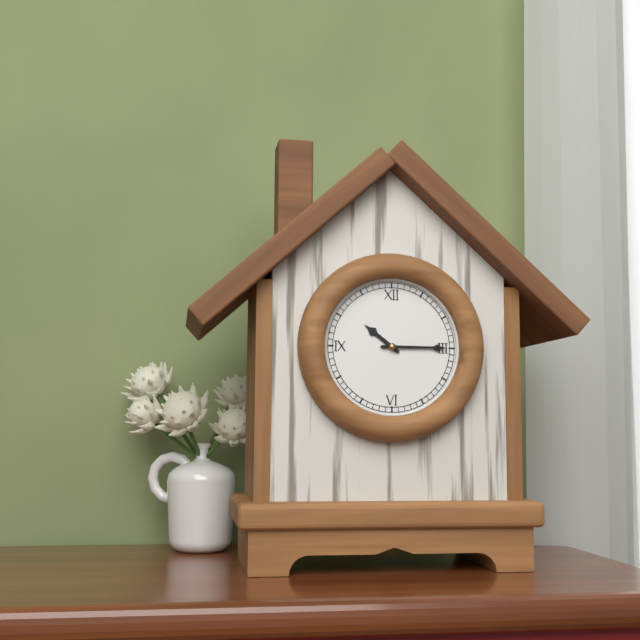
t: h=10 m=15
